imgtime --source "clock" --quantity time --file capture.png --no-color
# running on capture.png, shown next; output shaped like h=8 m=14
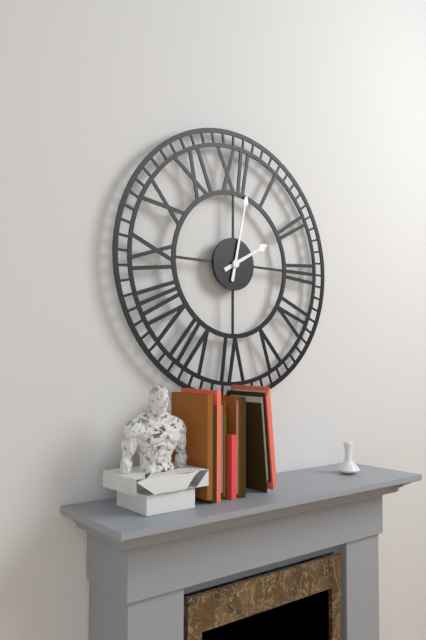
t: h=2 m=2
